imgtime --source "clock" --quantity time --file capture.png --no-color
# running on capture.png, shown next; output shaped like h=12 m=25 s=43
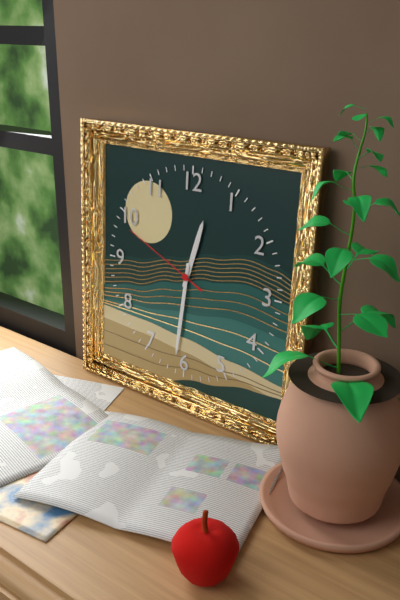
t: h=12 m=31 s=49
